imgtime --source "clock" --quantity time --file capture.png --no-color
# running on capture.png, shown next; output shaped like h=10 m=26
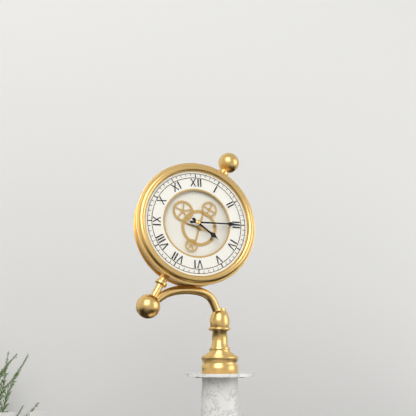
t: h=4 m=15
